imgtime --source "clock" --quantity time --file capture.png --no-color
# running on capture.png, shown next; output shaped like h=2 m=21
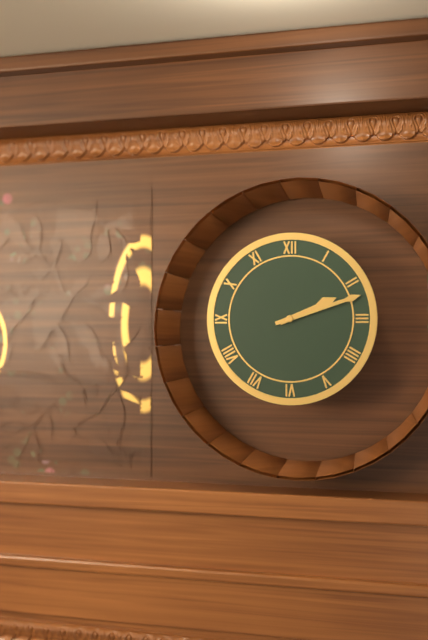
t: h=2 m=12
